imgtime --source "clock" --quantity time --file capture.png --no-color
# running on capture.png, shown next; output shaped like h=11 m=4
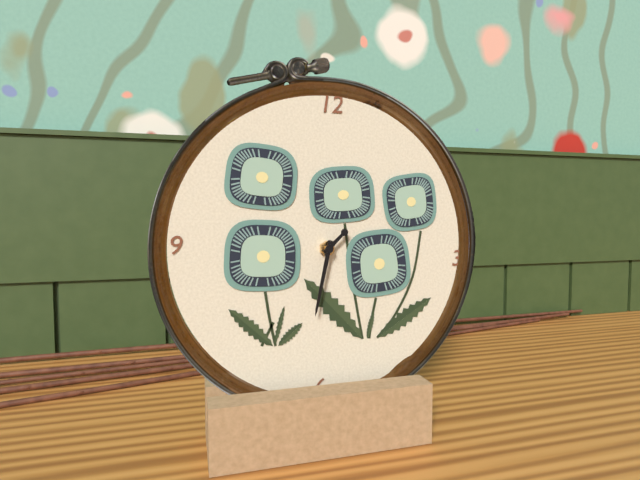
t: h=1 m=32
